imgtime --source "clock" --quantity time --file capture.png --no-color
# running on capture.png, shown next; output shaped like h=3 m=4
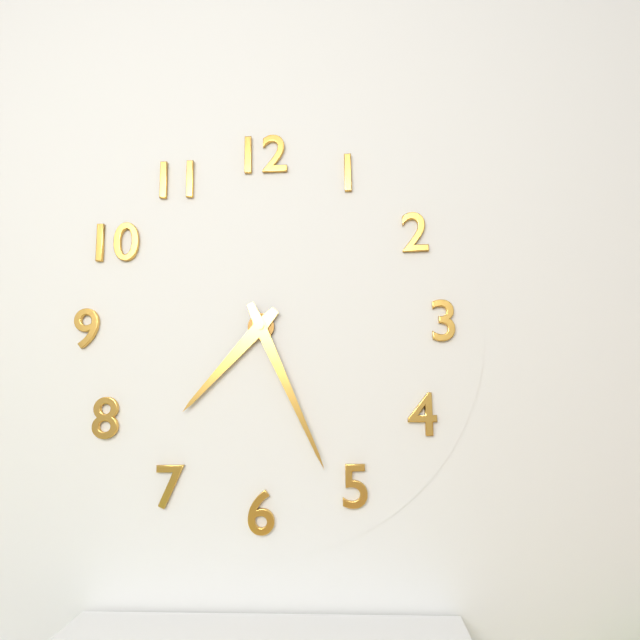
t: h=7 m=26
